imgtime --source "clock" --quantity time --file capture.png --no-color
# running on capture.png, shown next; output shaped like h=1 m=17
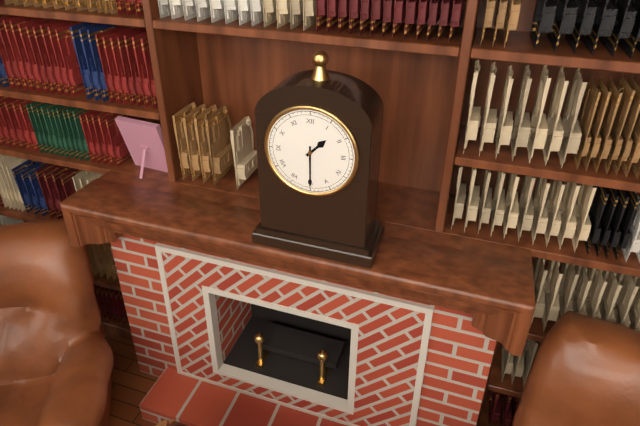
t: h=1 m=30
